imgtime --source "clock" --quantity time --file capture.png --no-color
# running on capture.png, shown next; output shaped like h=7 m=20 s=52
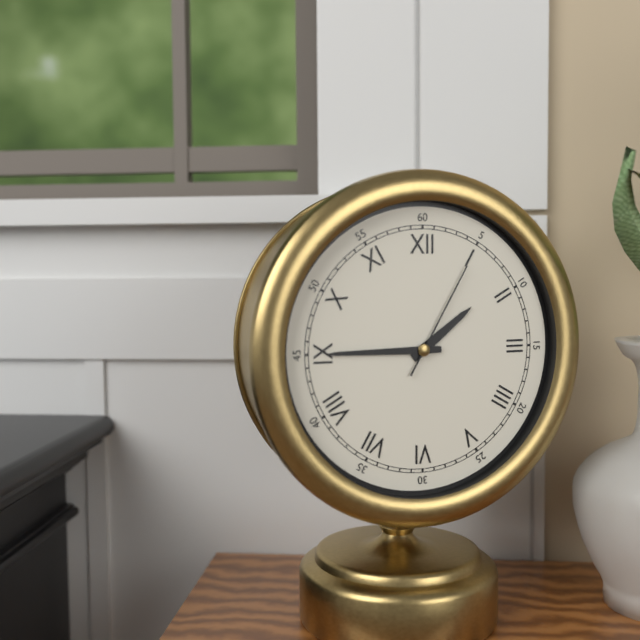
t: h=1 m=45 s=5
